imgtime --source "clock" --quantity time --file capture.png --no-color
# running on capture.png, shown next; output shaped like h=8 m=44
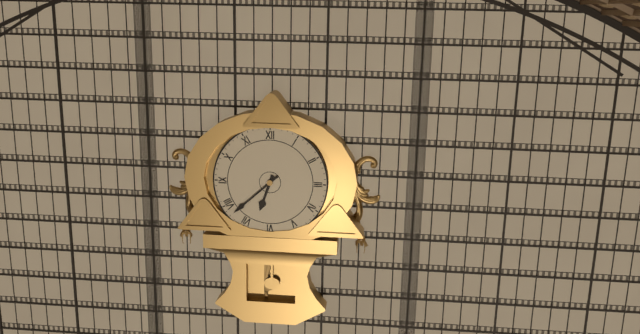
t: h=6 m=38
